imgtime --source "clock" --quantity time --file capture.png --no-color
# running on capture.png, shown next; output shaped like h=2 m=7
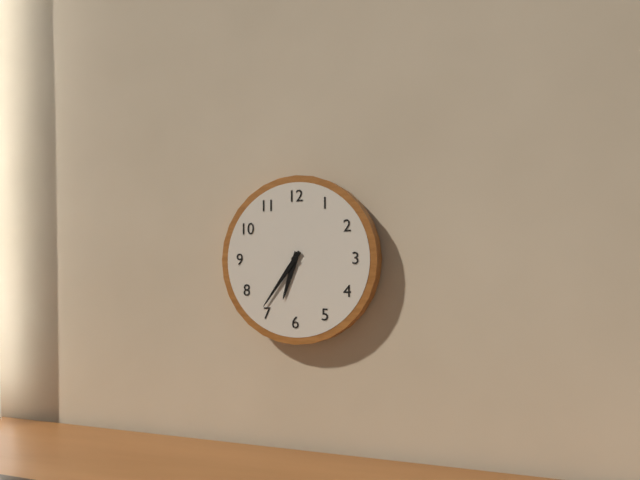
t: h=6 m=36
